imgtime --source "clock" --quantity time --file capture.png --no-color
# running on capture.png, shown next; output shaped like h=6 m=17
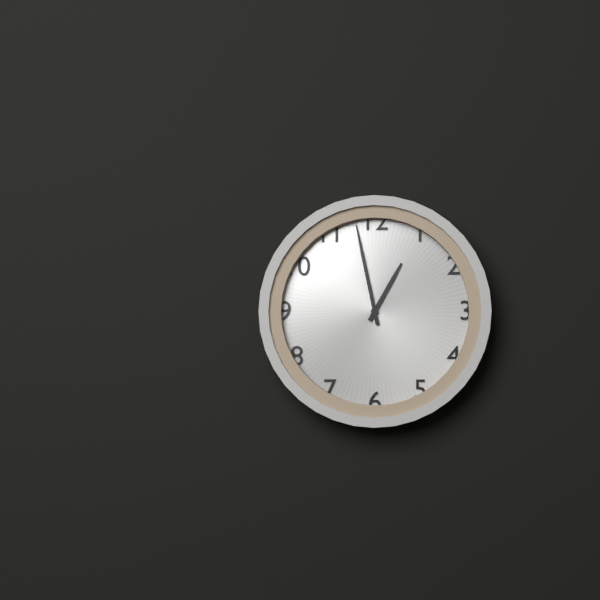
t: h=12 m=58
